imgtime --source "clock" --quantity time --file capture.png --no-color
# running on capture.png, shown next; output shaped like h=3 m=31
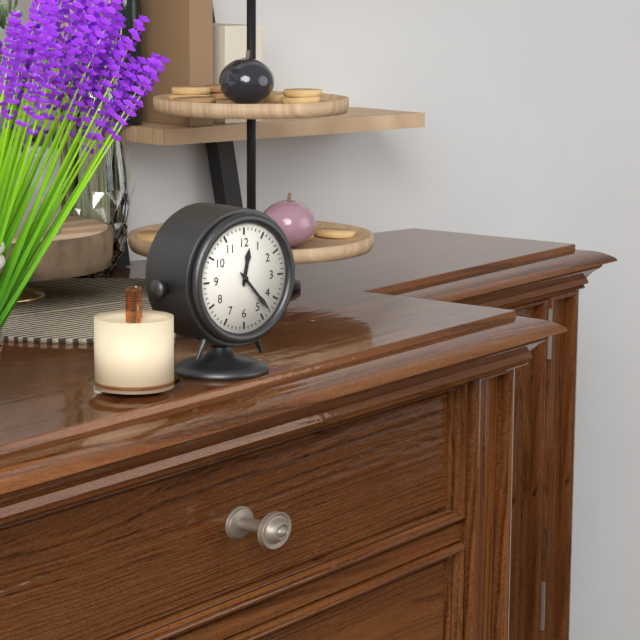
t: h=12 m=23
